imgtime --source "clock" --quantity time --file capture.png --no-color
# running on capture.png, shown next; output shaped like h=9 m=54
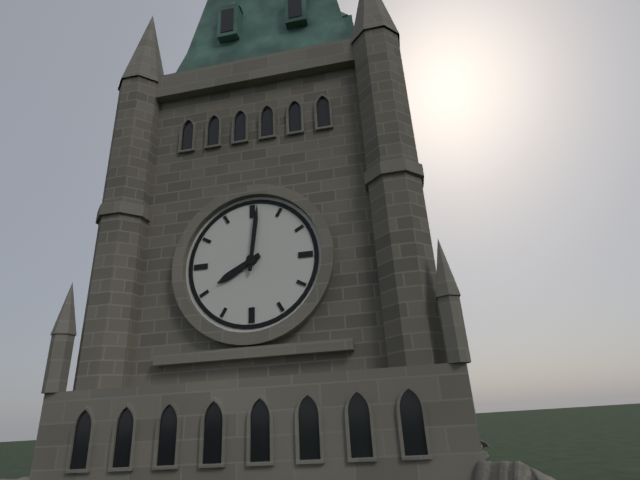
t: h=8 m=1
